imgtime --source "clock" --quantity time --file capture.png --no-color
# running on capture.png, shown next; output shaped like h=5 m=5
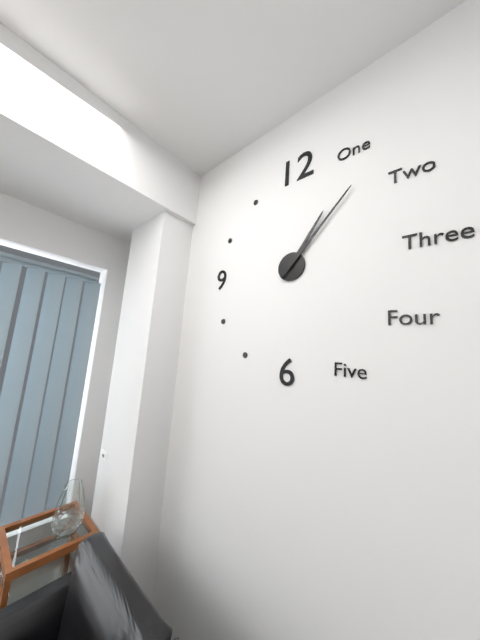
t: h=1 m=7
